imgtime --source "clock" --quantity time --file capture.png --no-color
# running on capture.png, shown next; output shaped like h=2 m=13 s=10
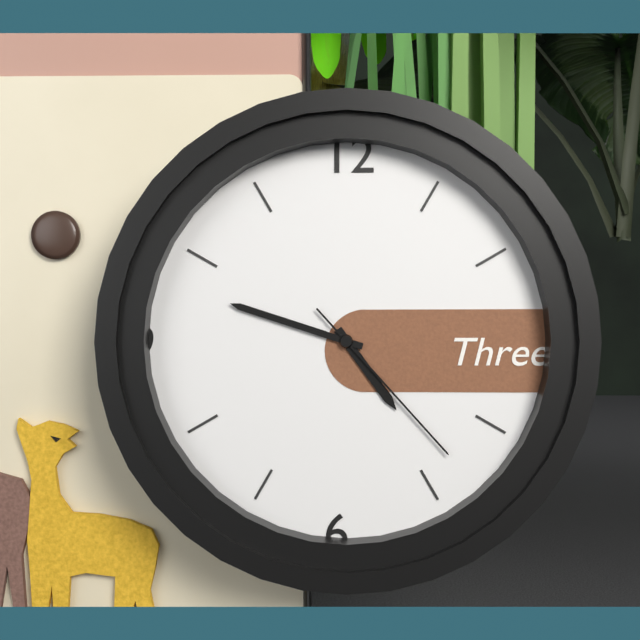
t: h=4 m=48 s=23
